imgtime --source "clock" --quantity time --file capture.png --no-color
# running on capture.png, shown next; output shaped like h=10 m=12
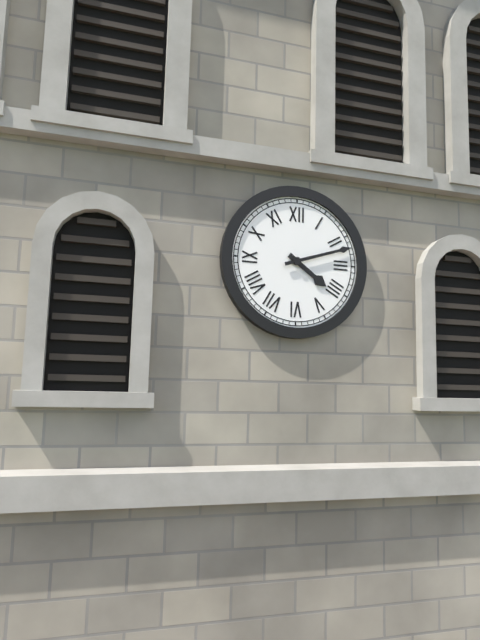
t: h=4 m=12
